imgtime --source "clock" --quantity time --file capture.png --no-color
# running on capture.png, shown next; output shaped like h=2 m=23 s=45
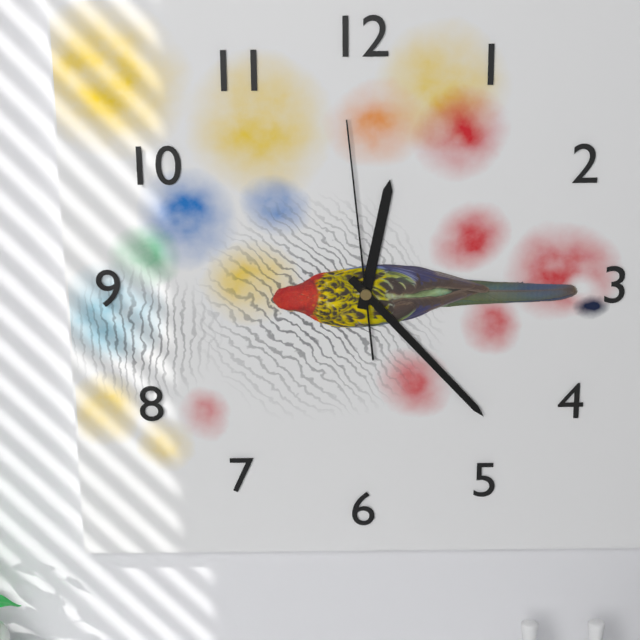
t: h=12 m=23 s=59
